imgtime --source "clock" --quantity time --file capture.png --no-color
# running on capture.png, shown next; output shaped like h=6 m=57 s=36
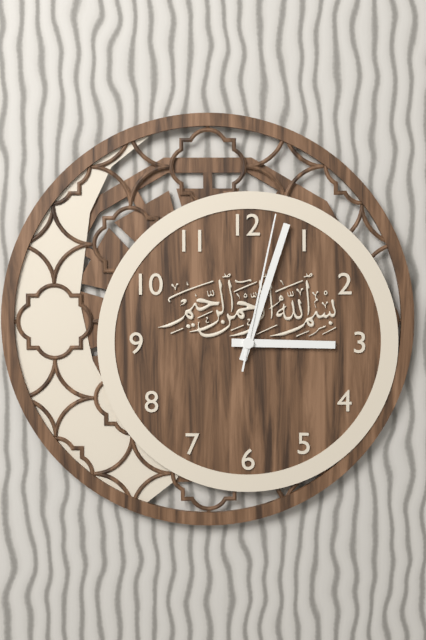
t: h=3 m=3 s=2
